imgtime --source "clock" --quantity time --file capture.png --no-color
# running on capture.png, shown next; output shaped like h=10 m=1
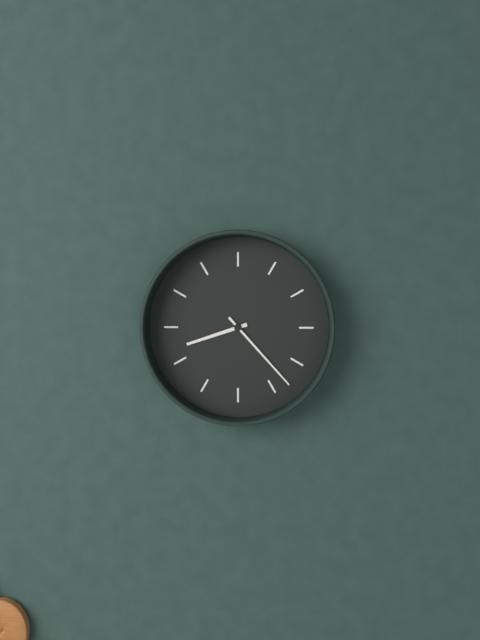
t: h=8 m=23
